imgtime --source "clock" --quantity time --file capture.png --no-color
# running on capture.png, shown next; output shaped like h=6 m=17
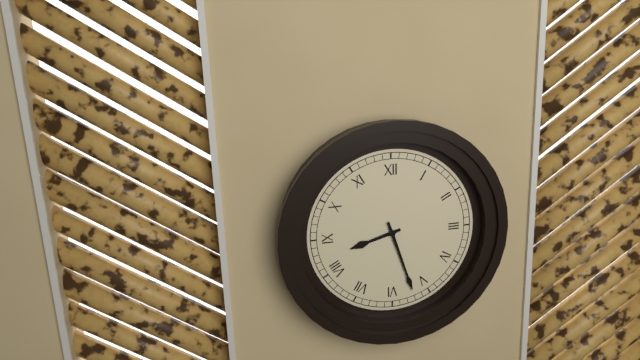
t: h=8 m=27
